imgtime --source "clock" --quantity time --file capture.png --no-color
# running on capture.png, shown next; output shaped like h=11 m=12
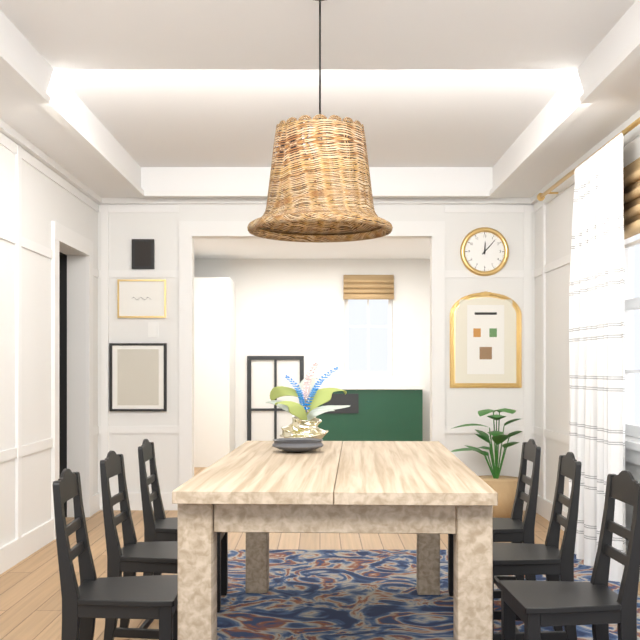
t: h=12 m=7
